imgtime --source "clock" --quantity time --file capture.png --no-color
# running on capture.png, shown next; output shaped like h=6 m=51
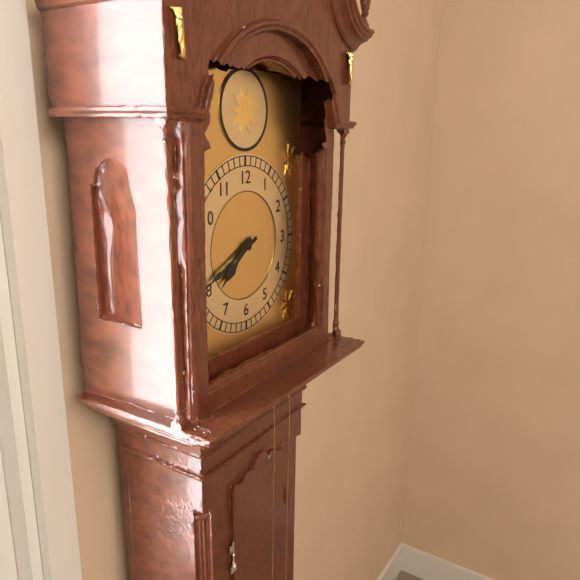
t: h=7 m=41
